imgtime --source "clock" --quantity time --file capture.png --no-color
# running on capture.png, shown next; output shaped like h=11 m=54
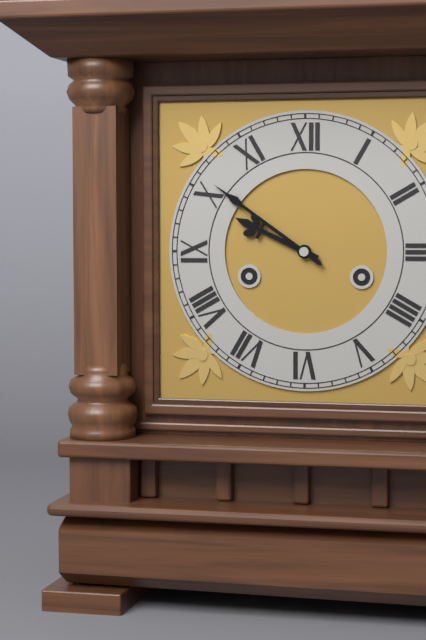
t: h=9 m=51
